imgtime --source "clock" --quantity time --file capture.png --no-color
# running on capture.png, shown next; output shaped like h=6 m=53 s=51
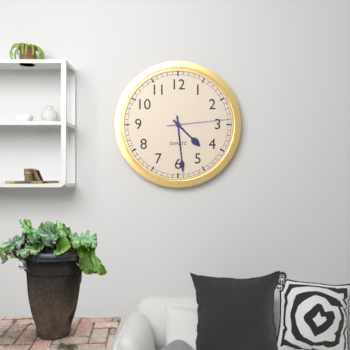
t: h=4 m=29 s=14
